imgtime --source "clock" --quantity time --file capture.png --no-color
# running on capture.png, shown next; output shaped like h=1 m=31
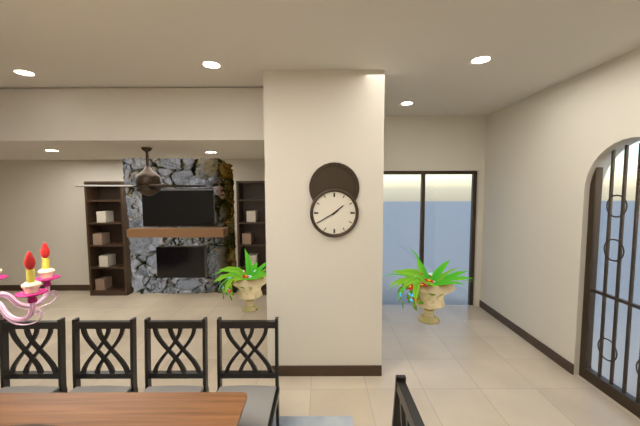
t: h=1 m=40
